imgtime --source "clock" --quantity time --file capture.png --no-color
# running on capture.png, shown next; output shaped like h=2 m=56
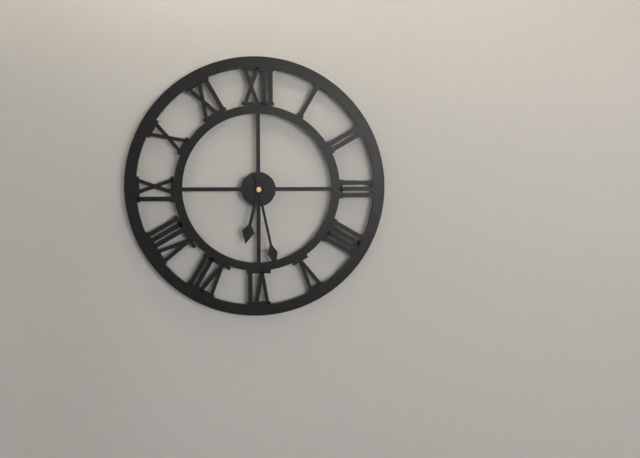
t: h=6 m=28
